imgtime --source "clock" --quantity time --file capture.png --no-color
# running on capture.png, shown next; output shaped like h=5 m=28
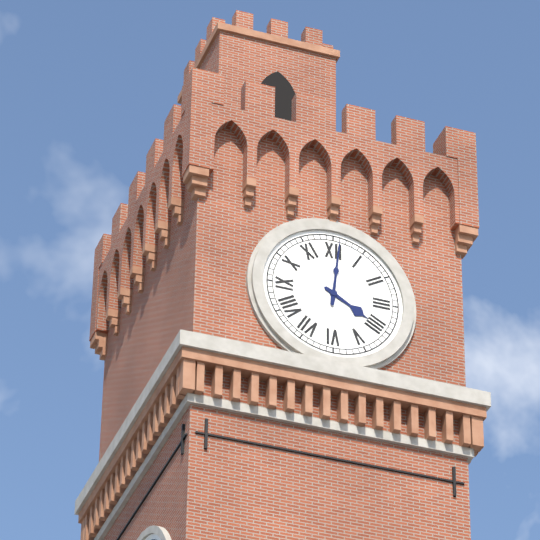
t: h=4 m=1
